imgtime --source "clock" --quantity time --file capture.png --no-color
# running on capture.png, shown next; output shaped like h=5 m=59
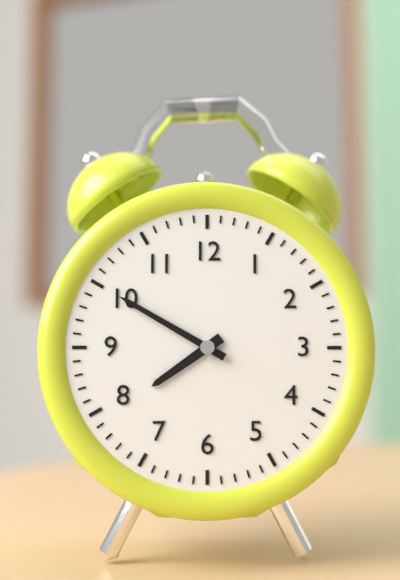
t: h=7 m=50
